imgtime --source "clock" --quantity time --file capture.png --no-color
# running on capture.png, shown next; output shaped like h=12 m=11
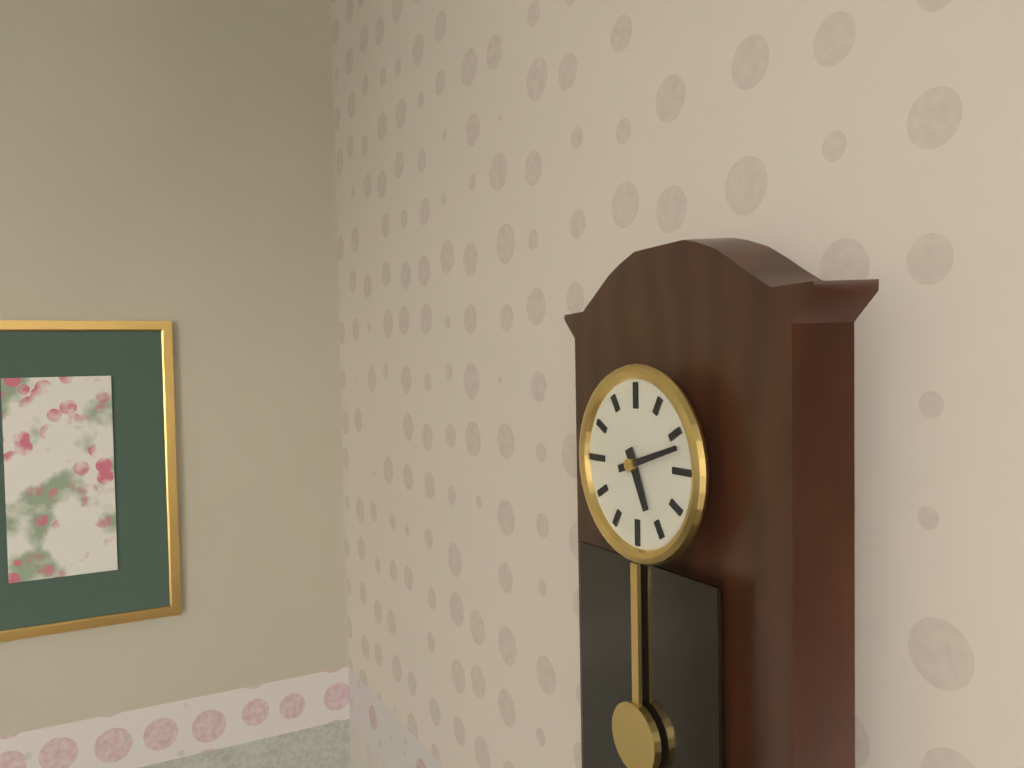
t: h=5 m=12
